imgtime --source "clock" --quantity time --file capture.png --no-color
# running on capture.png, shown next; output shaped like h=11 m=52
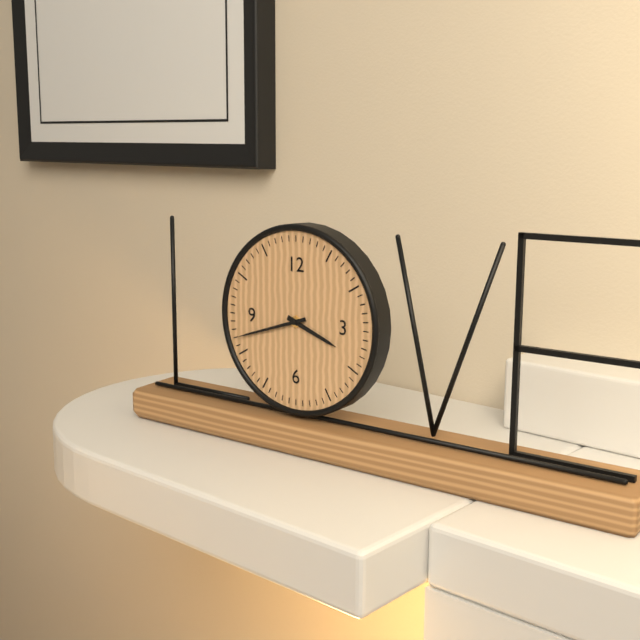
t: h=3 m=42
